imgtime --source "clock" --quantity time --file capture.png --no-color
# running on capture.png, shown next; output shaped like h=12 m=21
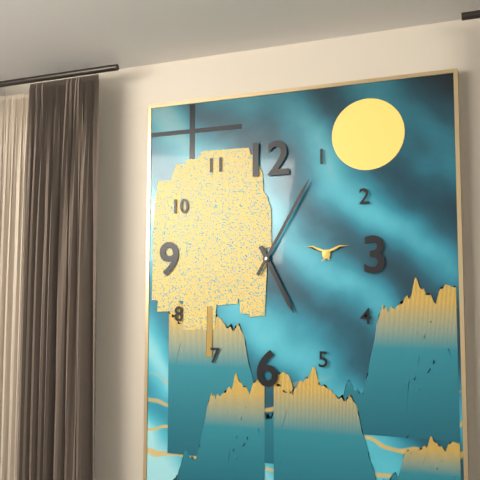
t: h=5 m=5
